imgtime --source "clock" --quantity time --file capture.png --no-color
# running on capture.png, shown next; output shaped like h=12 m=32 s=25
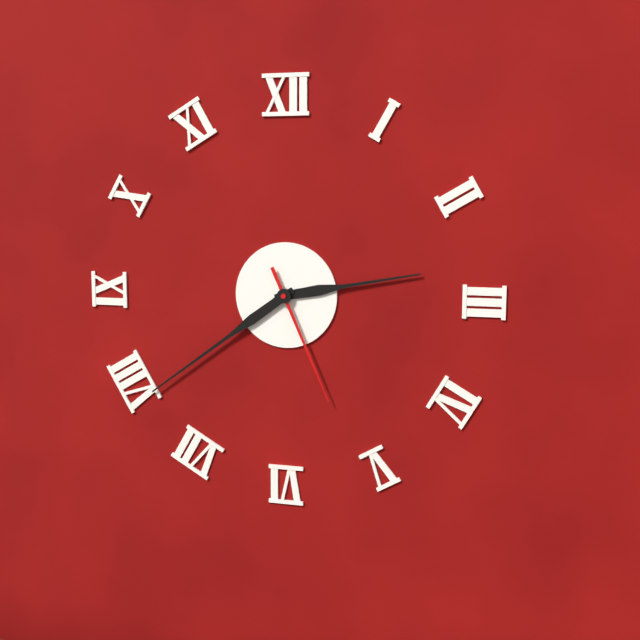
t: h=2 m=39 s=26
